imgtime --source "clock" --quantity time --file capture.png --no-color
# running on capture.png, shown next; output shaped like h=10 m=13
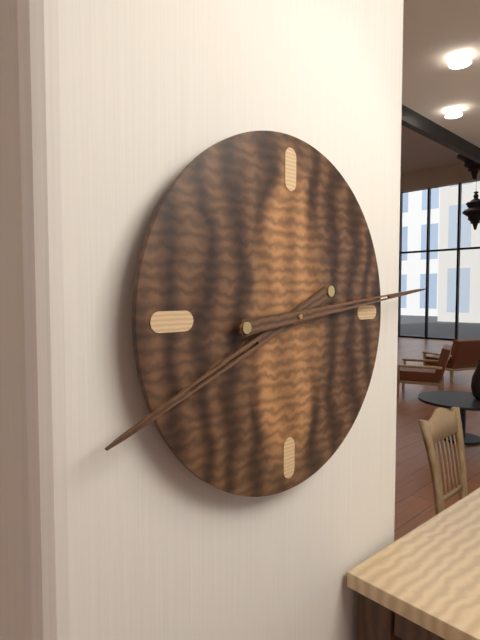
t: h=8 m=14
